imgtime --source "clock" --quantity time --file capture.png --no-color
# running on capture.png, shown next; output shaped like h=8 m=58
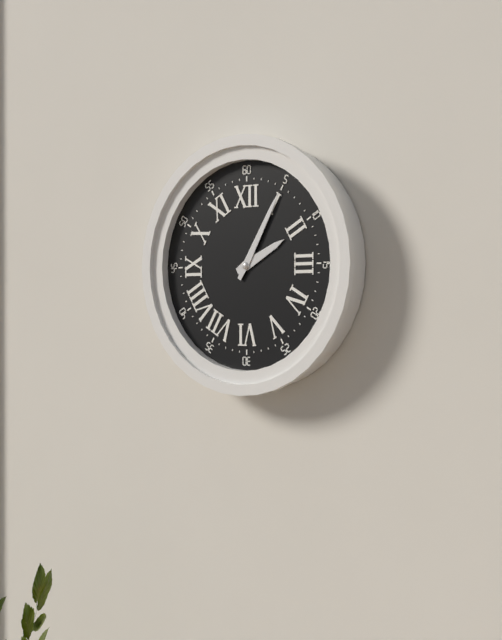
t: h=2 m=5
